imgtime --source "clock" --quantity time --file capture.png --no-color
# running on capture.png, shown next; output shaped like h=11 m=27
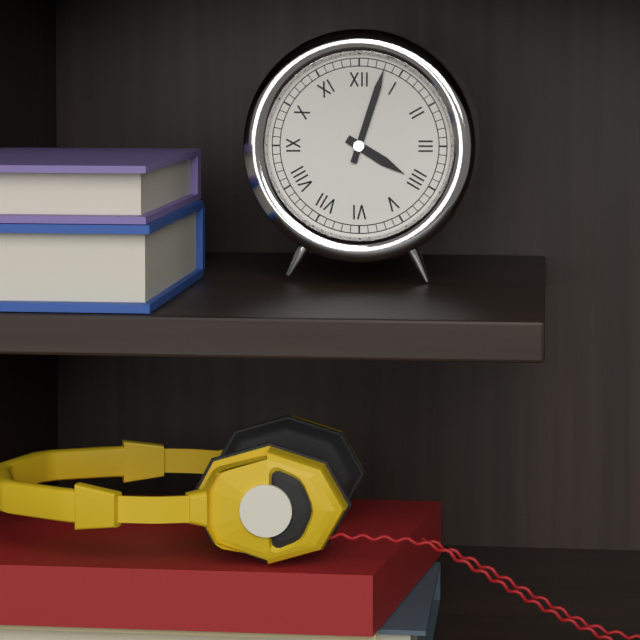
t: h=4 m=3
